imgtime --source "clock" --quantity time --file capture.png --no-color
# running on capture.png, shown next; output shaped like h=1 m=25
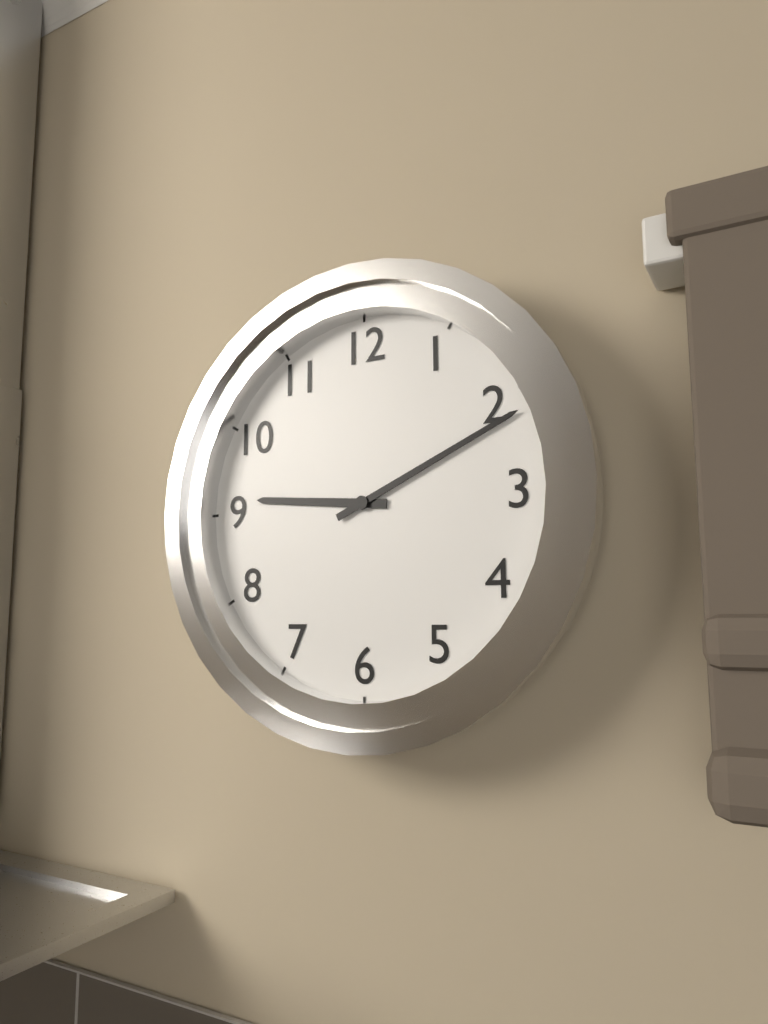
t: h=9 m=11
